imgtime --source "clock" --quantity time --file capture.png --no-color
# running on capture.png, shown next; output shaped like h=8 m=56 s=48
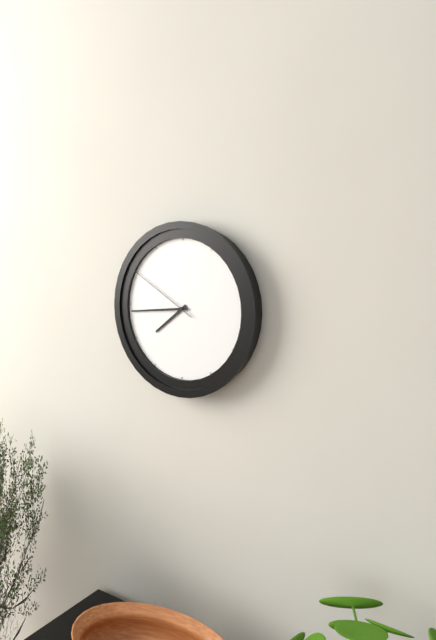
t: h=7 m=44 s=50
